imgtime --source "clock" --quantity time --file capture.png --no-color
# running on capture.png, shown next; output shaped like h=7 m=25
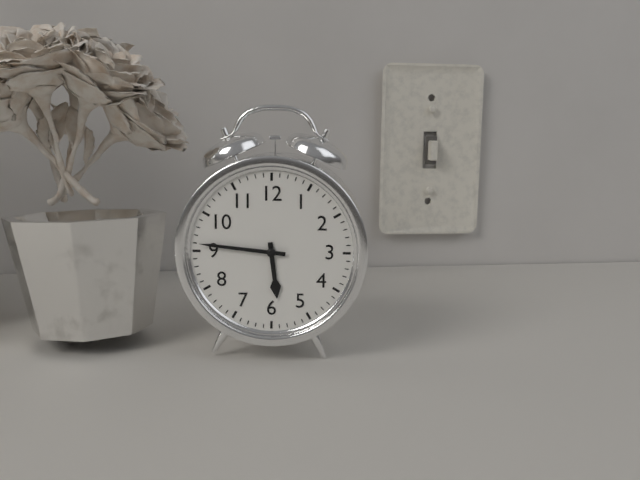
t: h=5 m=46
